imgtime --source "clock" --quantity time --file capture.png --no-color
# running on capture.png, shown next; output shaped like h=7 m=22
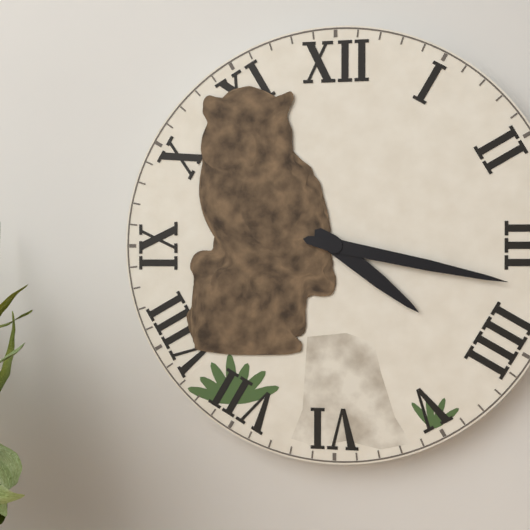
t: h=4 m=17
